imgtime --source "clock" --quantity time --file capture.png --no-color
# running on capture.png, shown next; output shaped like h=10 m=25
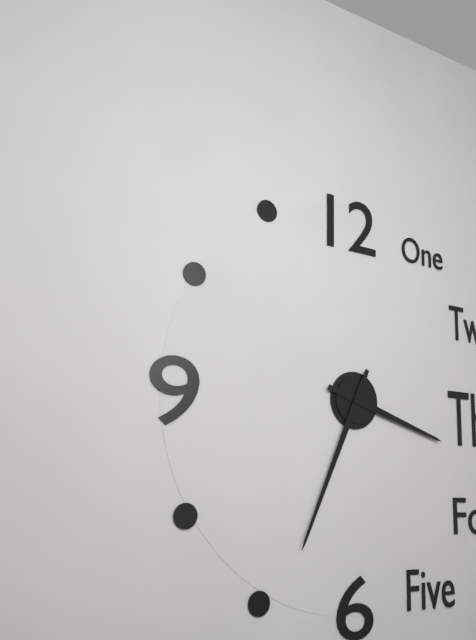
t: h=3 m=34
